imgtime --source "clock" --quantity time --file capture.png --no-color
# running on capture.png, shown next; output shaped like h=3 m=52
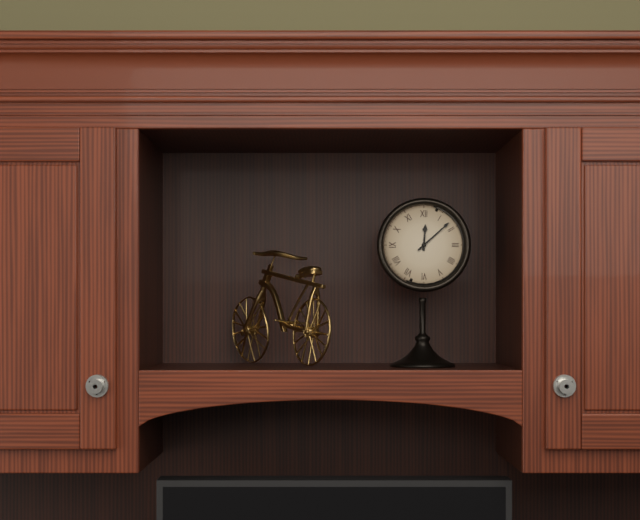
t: h=12 m=8
